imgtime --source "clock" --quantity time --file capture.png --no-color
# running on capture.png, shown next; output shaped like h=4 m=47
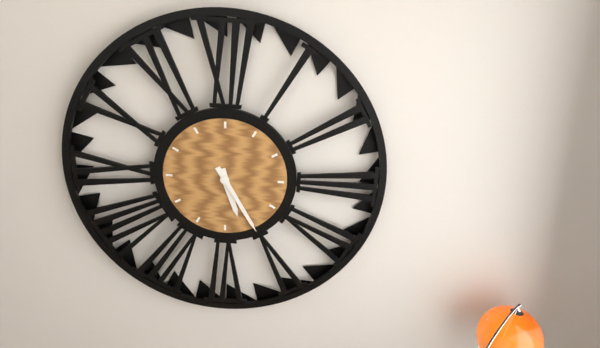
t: h=5 m=25
